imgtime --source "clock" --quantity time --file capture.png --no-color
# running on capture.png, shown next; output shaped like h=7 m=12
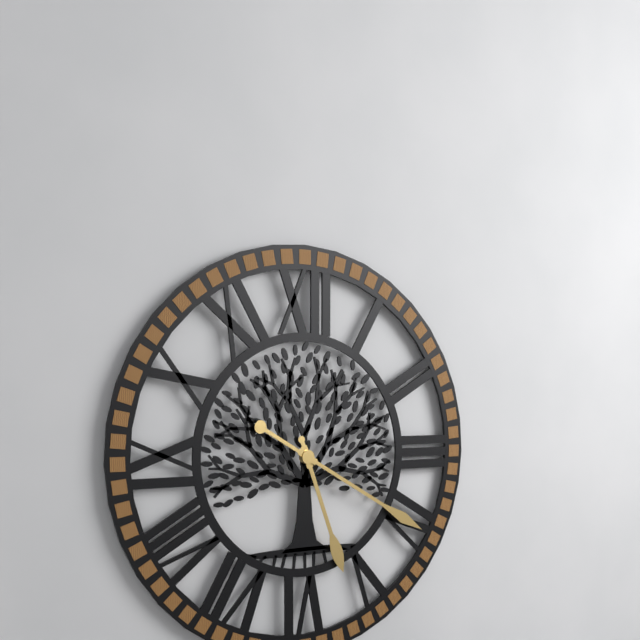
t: h=5 m=20
